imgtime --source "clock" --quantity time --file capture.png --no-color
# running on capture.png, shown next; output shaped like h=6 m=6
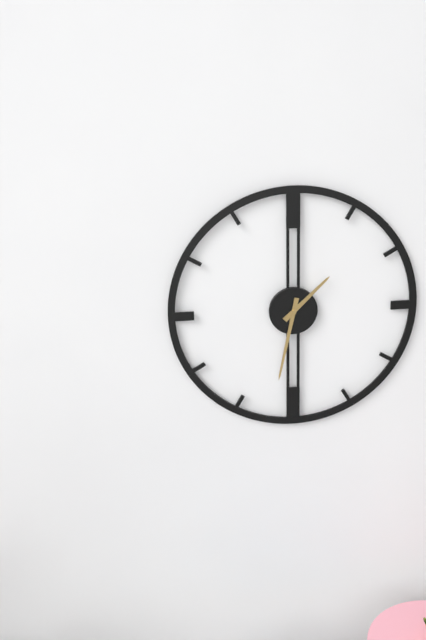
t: h=1 m=32
